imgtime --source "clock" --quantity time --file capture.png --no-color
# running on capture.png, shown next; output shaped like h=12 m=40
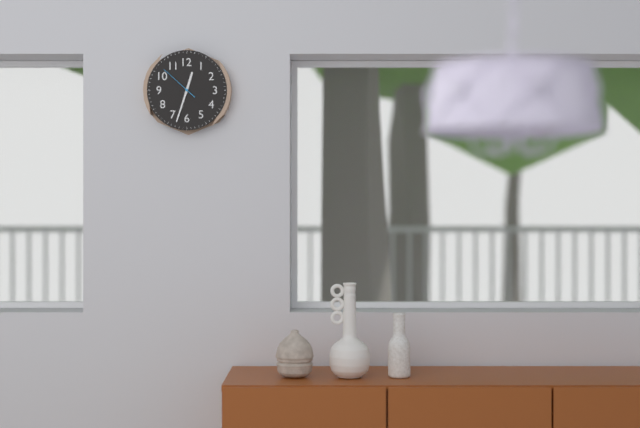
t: h=12 m=33
